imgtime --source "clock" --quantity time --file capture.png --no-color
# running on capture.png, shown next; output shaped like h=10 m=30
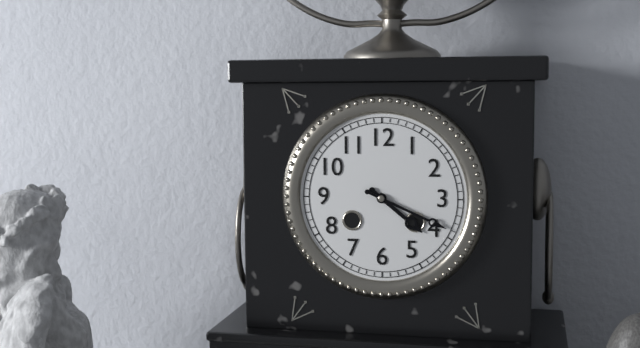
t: h=4 m=19
